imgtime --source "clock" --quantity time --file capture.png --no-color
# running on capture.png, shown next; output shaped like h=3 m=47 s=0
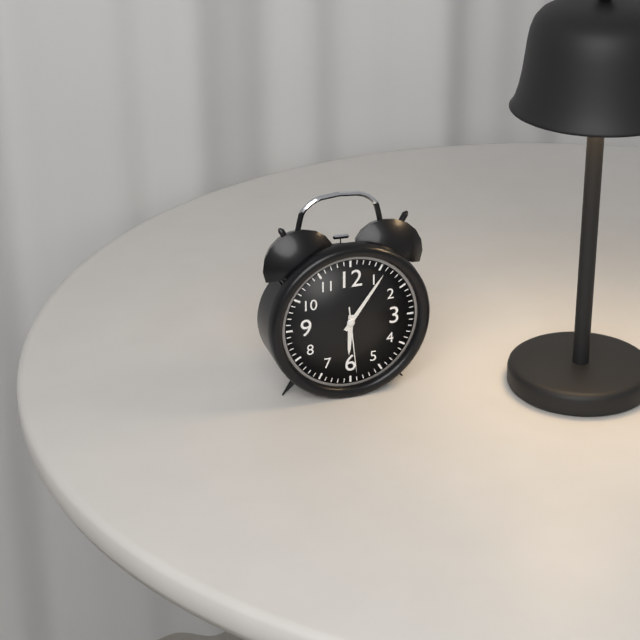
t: h=6 m=6 s=29
